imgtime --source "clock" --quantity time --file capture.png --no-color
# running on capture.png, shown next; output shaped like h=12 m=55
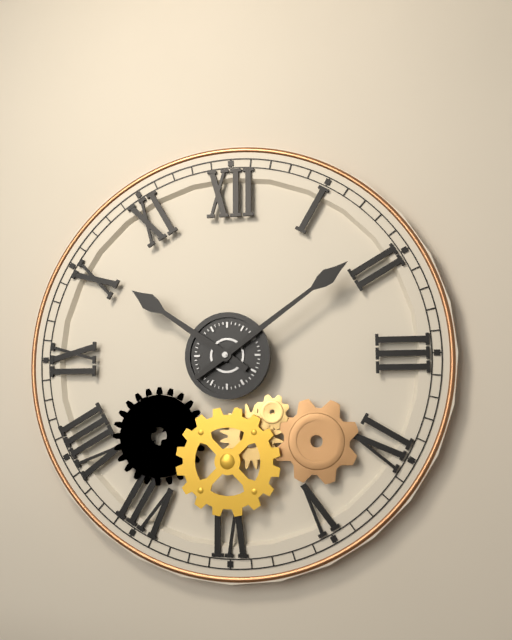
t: h=10 m=9
